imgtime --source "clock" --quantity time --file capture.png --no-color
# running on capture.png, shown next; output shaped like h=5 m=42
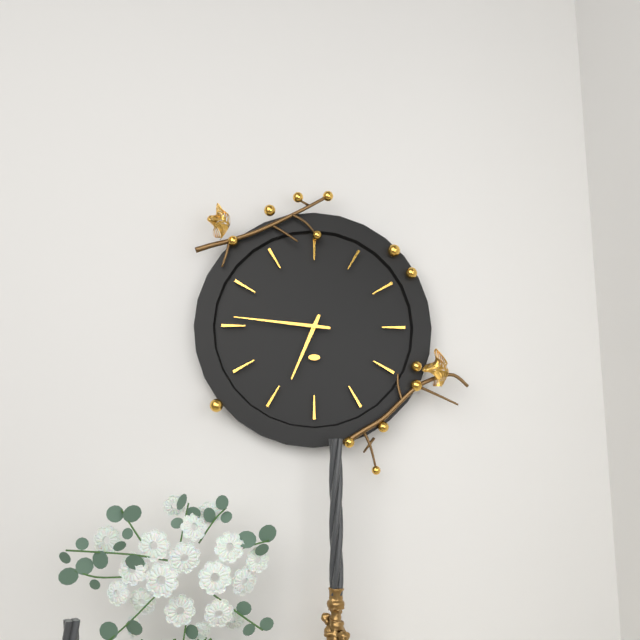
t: h=6 m=46
